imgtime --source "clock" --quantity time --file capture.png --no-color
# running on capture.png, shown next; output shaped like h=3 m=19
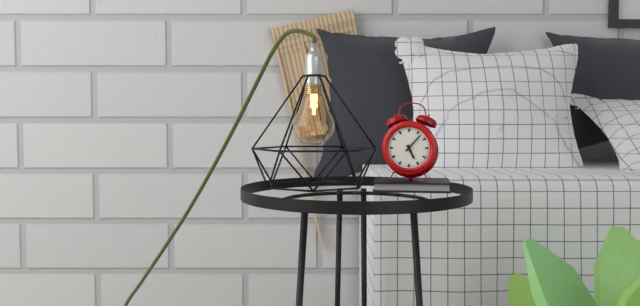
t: h=5 m=7
